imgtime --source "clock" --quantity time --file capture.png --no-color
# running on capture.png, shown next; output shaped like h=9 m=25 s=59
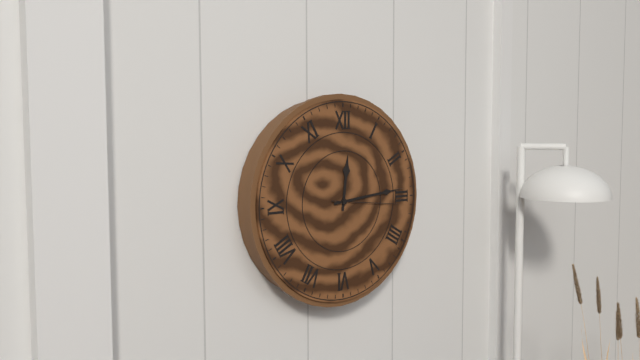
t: h=12 m=14 s=16
